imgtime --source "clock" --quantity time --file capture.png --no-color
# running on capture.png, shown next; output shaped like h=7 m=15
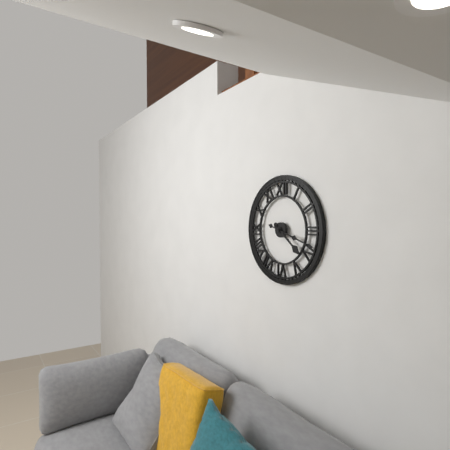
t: h=4 m=18
